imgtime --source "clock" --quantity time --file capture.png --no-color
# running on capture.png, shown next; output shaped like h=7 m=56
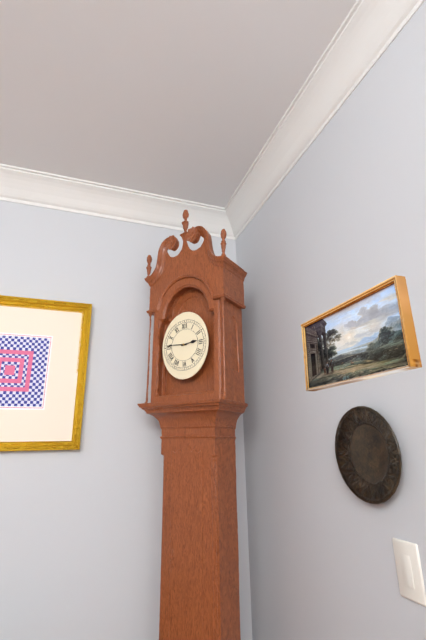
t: h=2 m=46
